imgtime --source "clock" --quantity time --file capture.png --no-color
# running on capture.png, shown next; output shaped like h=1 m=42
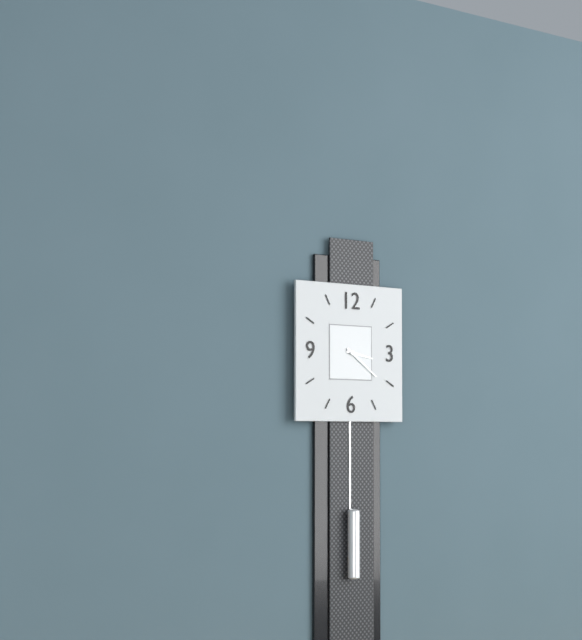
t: h=3 m=21
